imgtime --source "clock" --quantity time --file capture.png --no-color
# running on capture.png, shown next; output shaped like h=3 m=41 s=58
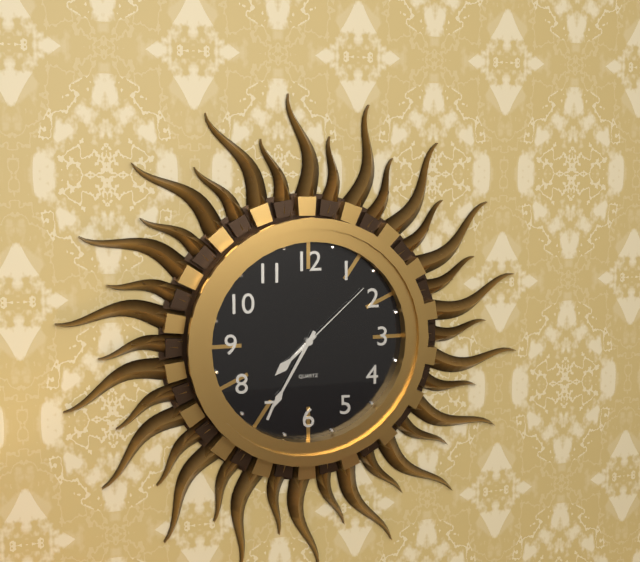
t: h=7 m=35 s=8
